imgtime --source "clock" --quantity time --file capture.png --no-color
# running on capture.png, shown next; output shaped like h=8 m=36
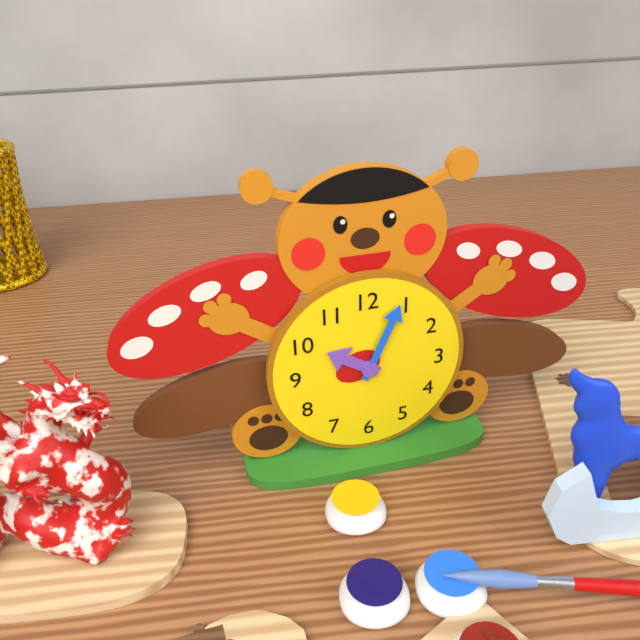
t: h=10 m=4
